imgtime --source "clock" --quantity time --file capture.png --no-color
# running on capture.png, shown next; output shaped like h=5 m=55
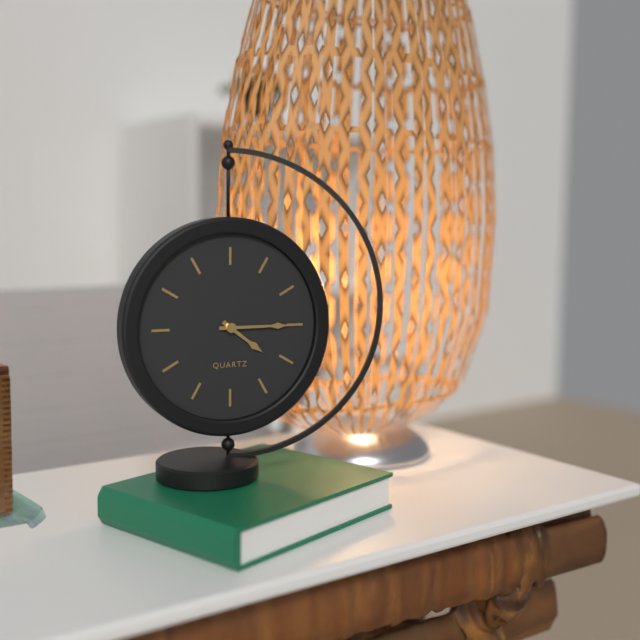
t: h=4 m=15
